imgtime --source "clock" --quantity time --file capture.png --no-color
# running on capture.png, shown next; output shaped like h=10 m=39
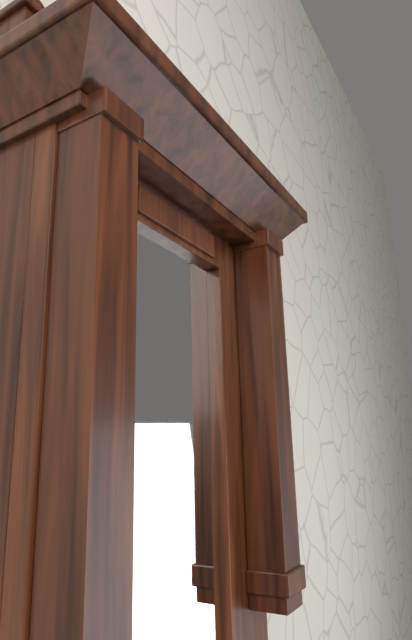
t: h=12 m=51
